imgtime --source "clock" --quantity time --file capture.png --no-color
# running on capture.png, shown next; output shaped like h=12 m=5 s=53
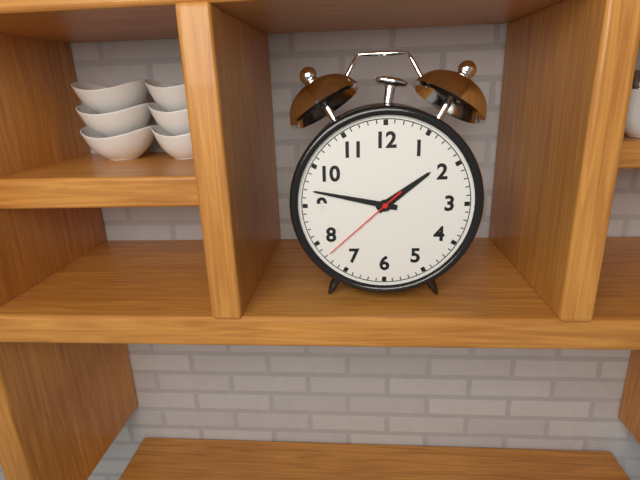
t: h=1 m=47 s=38
